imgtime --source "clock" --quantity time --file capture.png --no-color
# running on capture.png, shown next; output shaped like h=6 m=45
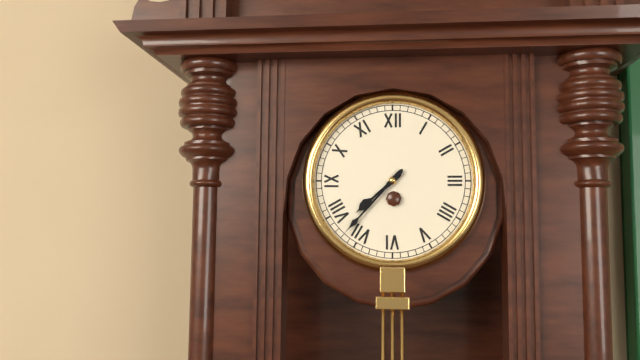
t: h=7 m=37
